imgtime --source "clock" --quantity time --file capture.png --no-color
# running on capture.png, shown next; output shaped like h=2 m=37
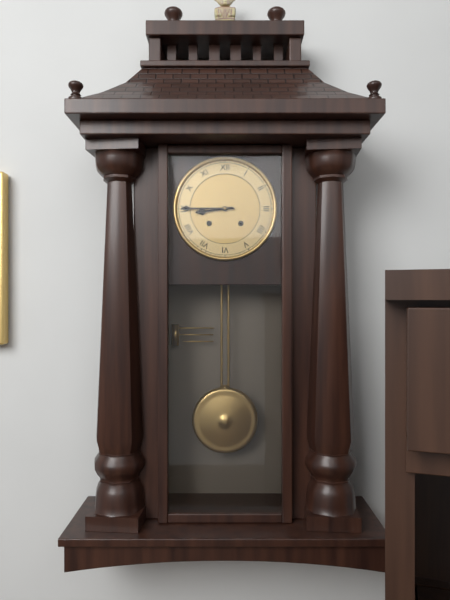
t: h=8 m=45
